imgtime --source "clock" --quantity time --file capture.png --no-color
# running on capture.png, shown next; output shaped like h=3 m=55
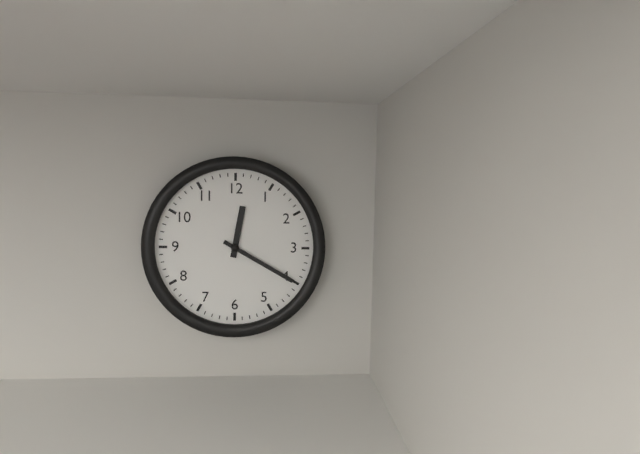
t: h=12 m=20
